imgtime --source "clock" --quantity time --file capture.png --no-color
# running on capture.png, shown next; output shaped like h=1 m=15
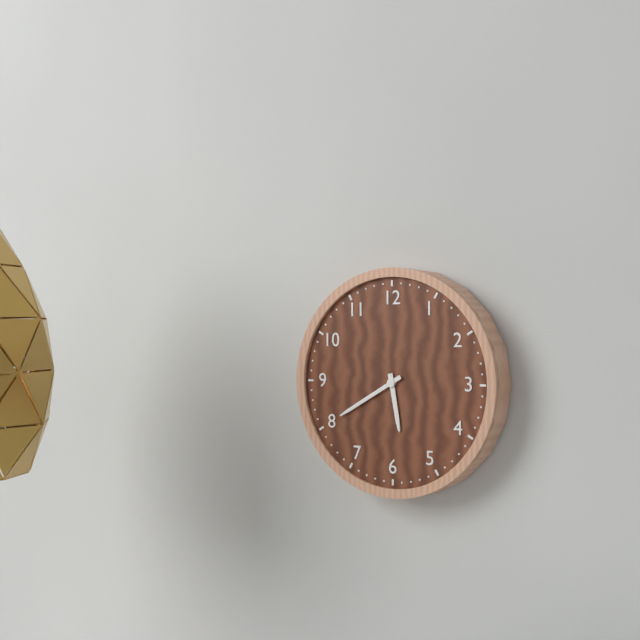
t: h=5 m=40
